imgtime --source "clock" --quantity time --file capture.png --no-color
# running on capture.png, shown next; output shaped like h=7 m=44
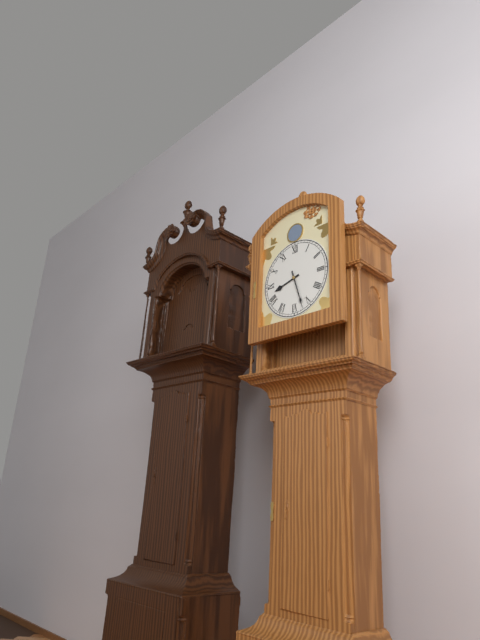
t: h=8 m=27
